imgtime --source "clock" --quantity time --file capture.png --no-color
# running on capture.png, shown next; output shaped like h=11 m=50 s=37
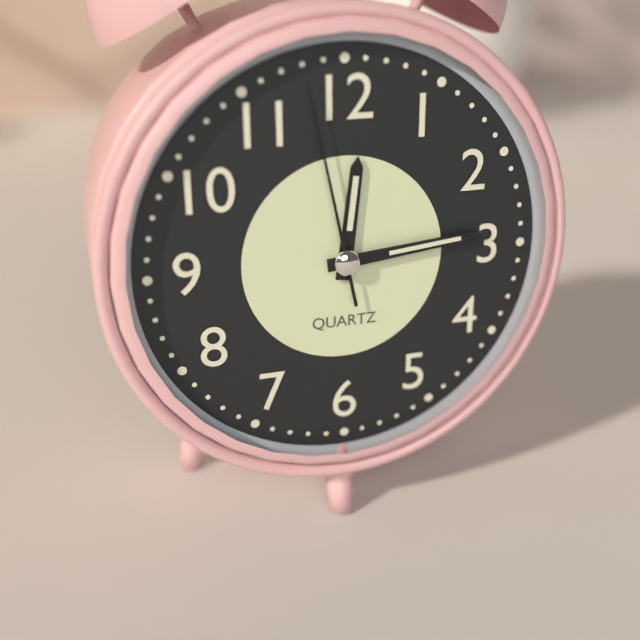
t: h=12 m=14 s=58
